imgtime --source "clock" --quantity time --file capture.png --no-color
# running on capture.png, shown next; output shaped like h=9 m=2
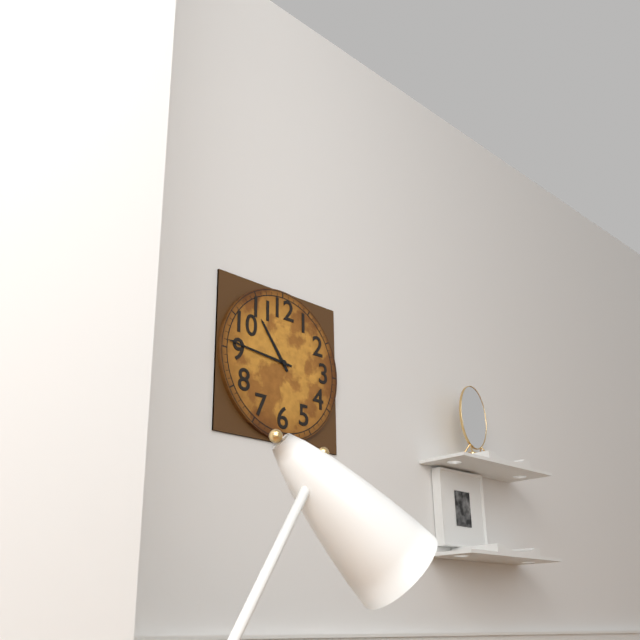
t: h=10 m=46
